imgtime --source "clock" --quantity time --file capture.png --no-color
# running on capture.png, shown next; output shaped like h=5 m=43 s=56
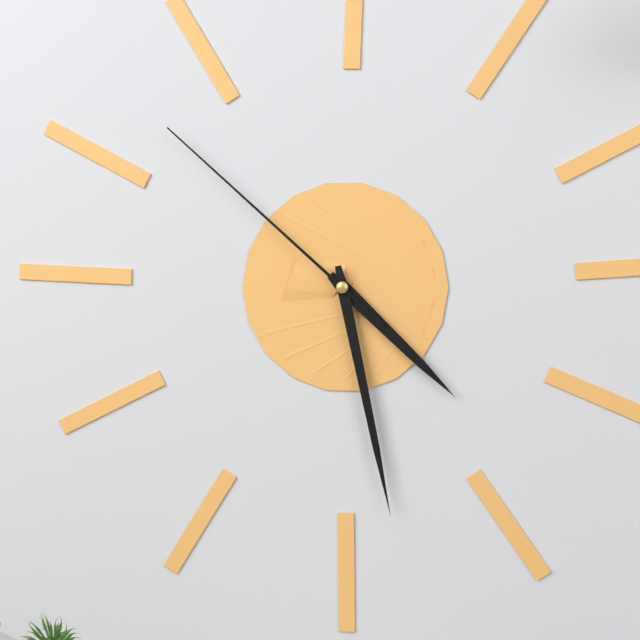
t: h=4 m=28 s=52
